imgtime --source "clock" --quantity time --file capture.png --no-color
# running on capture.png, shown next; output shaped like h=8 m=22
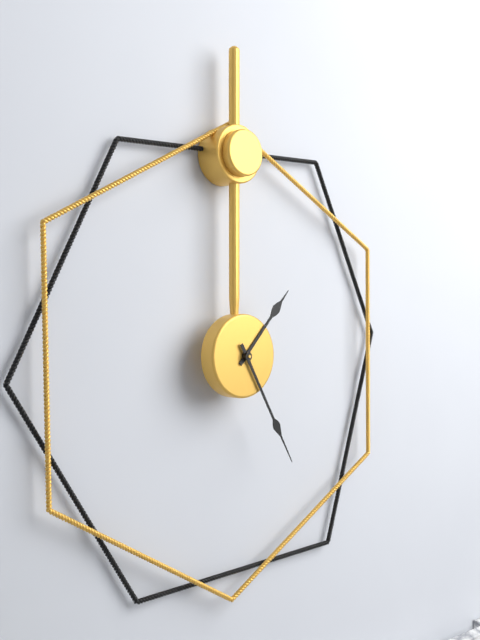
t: h=1 m=25
